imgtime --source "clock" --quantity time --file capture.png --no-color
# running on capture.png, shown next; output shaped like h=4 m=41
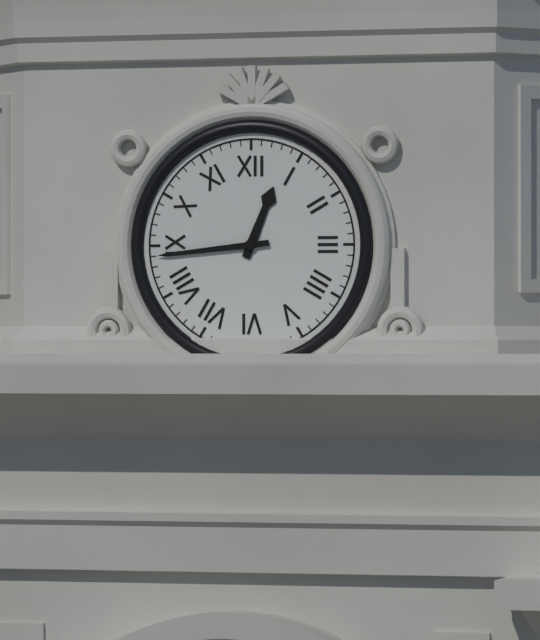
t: h=12 m=44
